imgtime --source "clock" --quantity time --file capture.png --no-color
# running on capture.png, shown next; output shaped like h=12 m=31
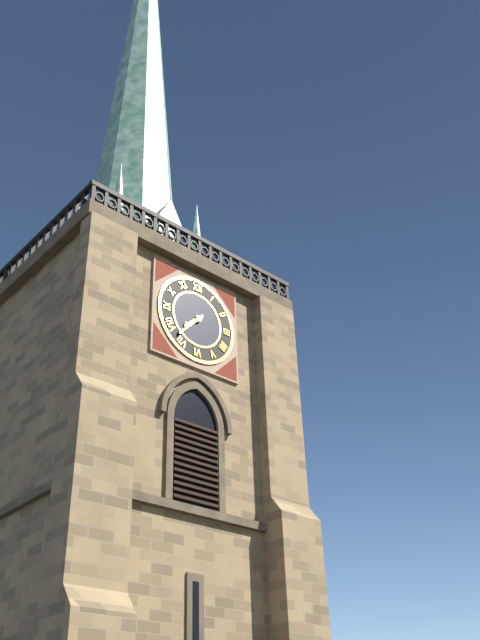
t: h=7 m=37
